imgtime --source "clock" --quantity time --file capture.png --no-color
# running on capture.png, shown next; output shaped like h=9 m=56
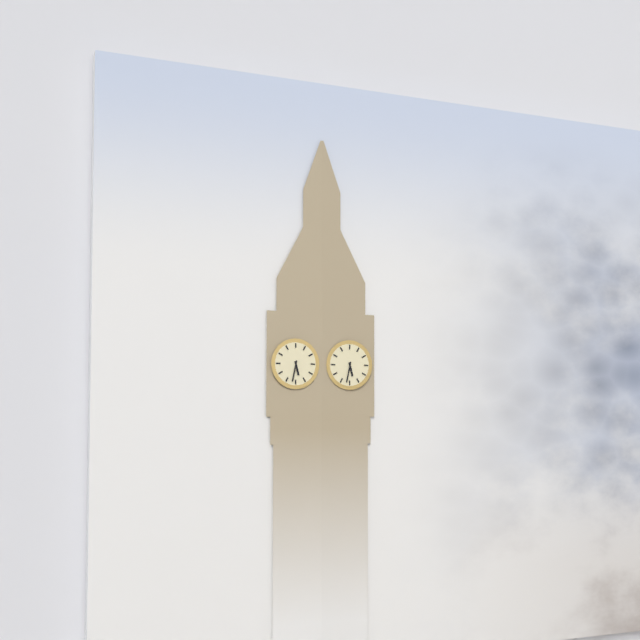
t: h=5 m=32
